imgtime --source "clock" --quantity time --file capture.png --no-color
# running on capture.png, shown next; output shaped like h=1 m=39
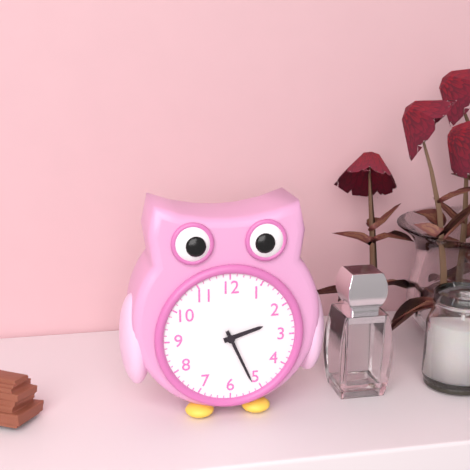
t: h=2 m=26
